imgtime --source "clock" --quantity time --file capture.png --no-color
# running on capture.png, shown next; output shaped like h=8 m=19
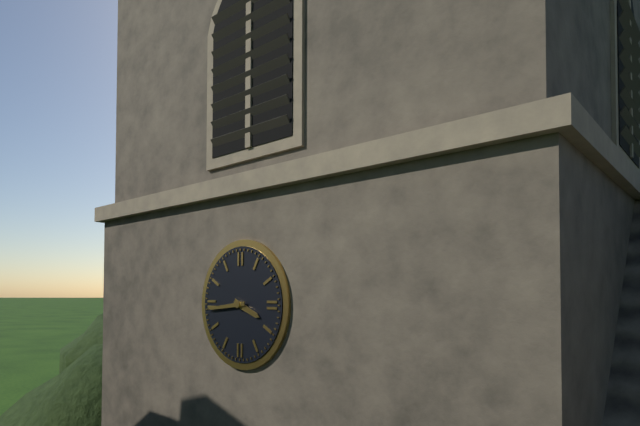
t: h=3 m=44
